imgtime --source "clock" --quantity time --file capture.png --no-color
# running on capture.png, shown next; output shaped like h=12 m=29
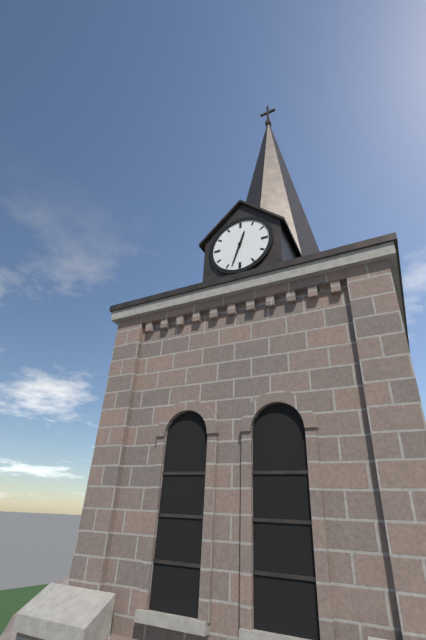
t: h=12 m=33
